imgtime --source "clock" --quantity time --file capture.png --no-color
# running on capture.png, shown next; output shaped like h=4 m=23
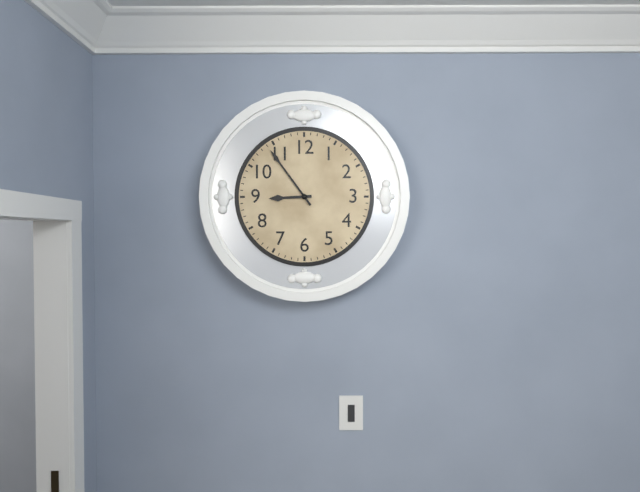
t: h=8 m=54
